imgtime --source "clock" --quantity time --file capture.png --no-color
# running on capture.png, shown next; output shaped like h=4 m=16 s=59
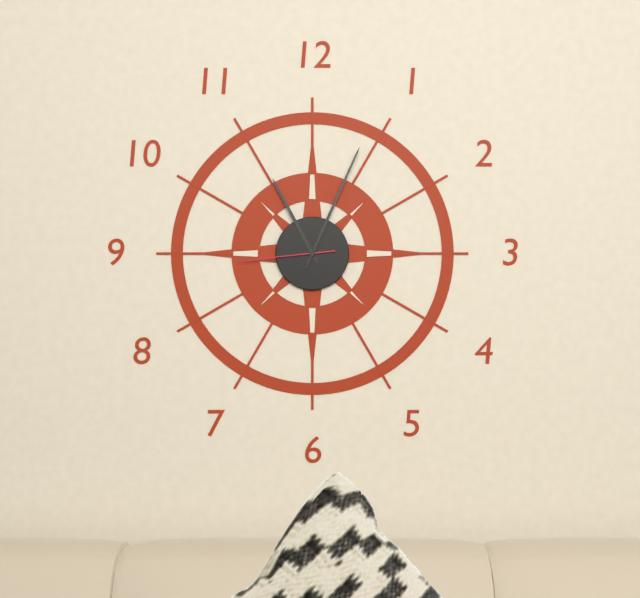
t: h=11 m=4 s=44
